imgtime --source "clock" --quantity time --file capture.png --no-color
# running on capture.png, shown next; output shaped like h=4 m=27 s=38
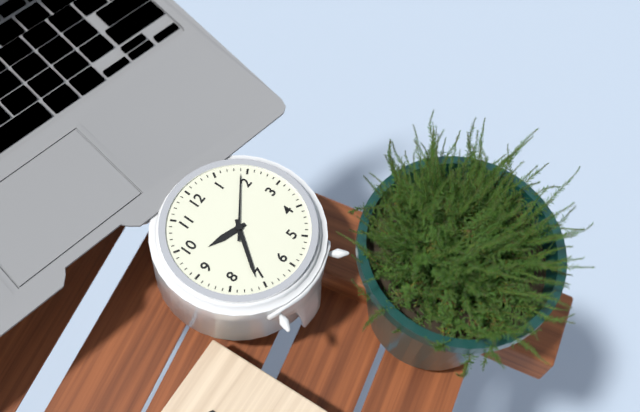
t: h=9 m=36 s=9
